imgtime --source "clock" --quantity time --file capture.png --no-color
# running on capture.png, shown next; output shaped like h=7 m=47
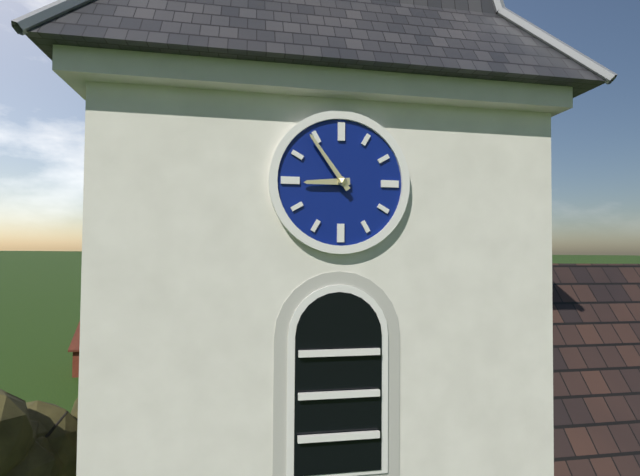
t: h=8 m=54
